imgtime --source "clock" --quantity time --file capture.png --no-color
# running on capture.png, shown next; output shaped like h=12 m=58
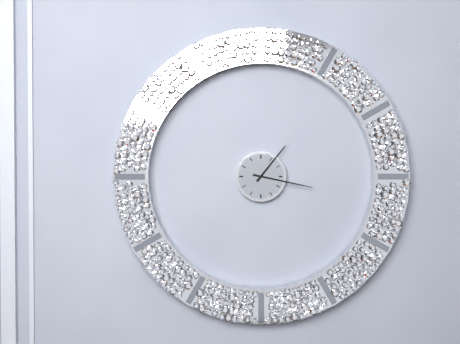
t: h=1 m=17
